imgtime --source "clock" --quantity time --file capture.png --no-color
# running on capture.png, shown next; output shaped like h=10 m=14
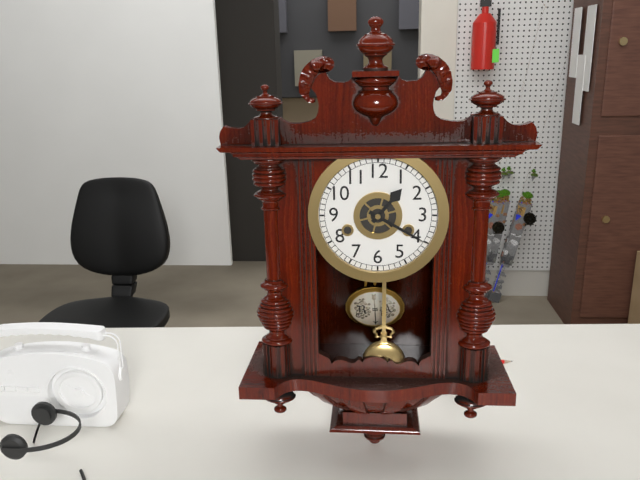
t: h=1 m=20
